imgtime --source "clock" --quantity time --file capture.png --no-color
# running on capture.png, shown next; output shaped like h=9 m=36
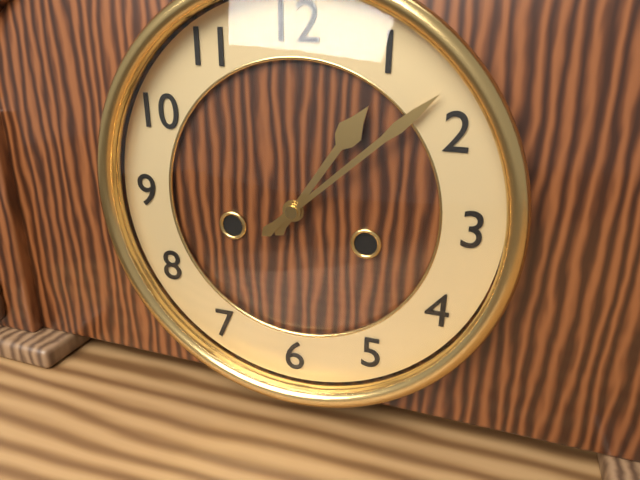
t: h=1 m=8
